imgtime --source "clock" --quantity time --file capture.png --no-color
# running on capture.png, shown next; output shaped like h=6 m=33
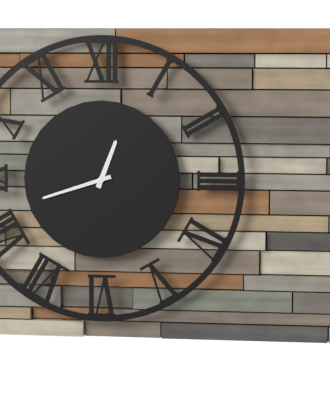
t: h=12 m=42
